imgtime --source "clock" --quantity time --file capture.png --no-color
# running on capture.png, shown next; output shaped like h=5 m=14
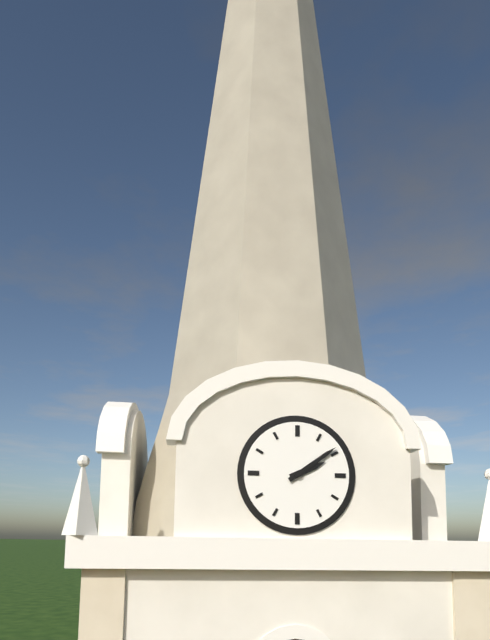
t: h=2 m=9
